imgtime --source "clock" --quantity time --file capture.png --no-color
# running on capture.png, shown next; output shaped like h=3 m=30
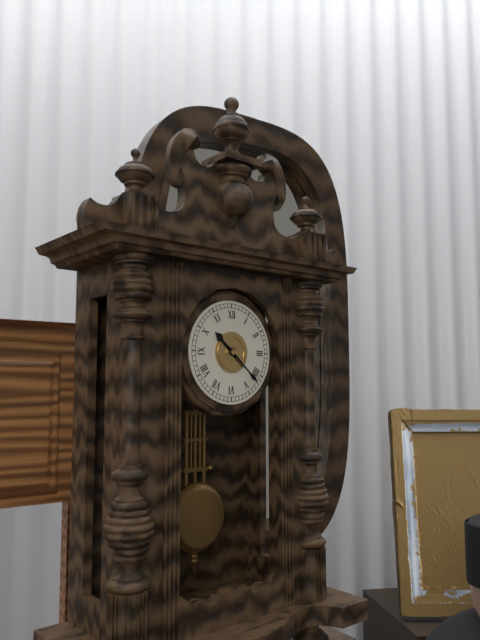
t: h=10 m=22
